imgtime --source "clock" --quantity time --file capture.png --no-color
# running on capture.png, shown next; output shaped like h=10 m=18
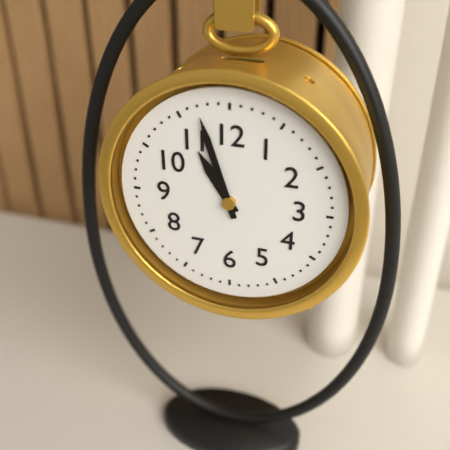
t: h=10 m=57
